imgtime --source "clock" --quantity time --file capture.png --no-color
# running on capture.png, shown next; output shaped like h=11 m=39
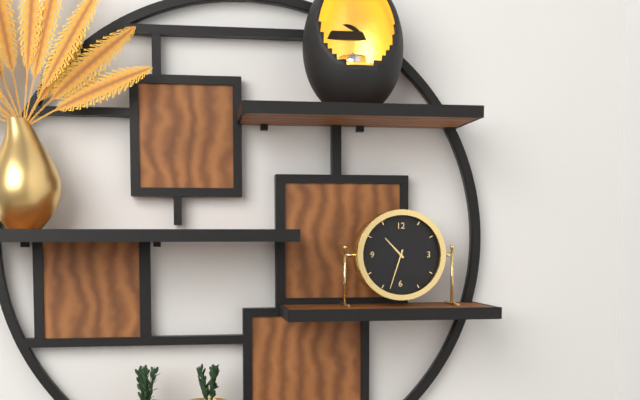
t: h=10 m=33
